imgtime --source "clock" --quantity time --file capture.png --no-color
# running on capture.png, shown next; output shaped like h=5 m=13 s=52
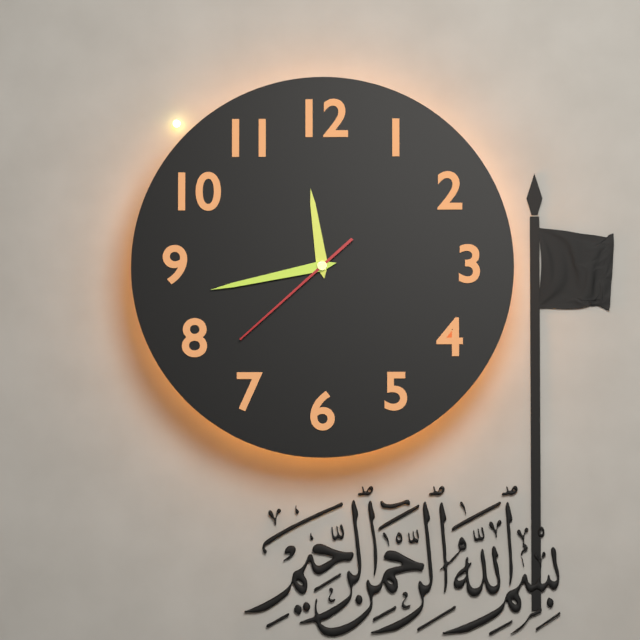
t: h=11 m=43 s=38
